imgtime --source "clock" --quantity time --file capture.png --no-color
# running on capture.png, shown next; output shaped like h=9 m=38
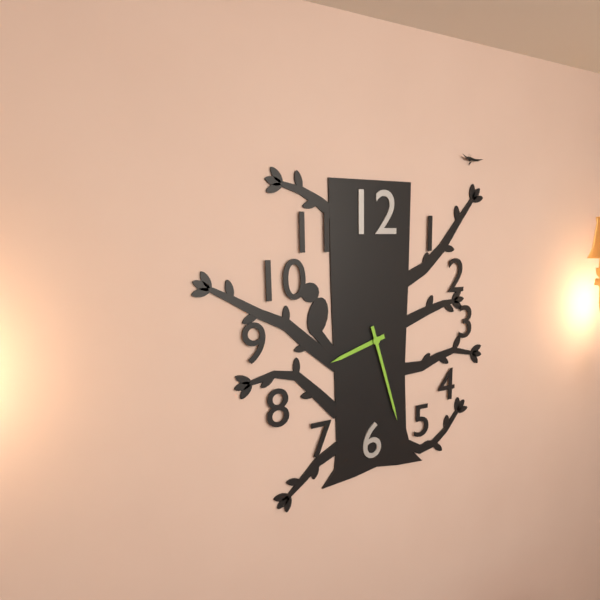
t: h=8 m=27
